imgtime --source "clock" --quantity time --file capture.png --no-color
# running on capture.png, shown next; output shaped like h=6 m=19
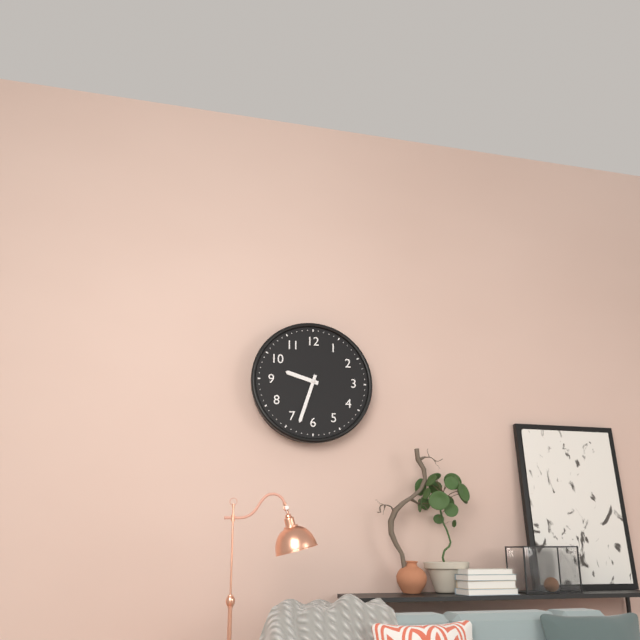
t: h=9 m=33
